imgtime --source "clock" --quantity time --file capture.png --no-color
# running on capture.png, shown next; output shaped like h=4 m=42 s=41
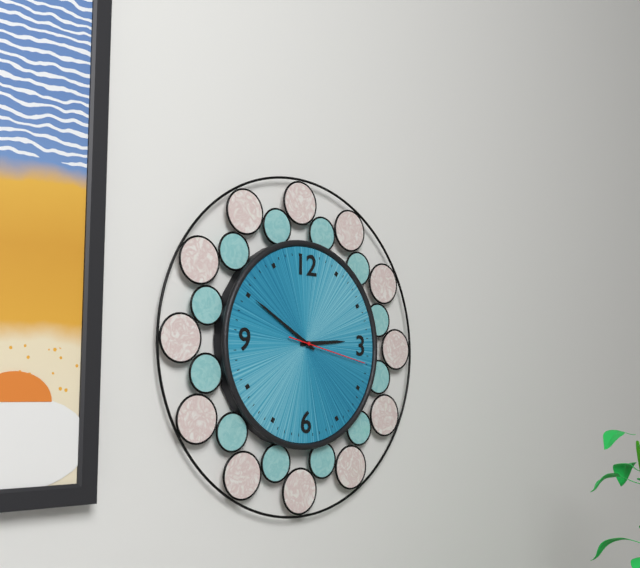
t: h=2 m=50 s=17
